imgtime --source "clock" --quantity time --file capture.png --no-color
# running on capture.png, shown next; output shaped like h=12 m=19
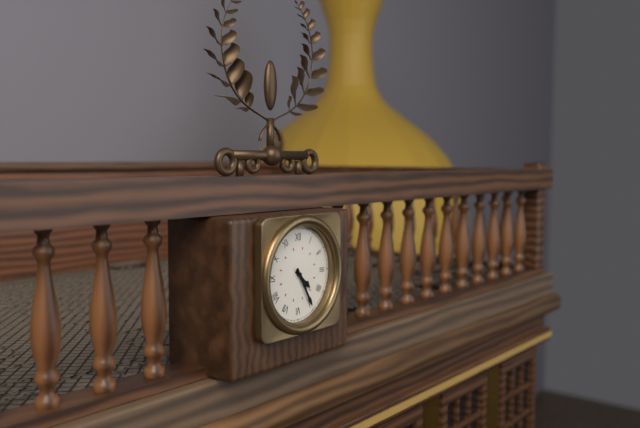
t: h=4 m=25
